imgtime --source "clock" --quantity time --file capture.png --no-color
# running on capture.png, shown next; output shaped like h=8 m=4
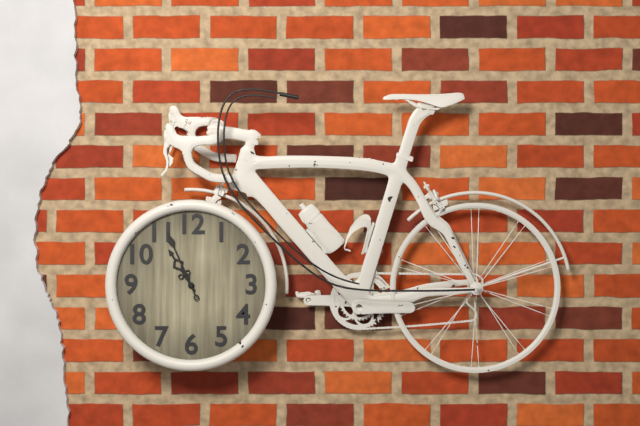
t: h=10 m=56
